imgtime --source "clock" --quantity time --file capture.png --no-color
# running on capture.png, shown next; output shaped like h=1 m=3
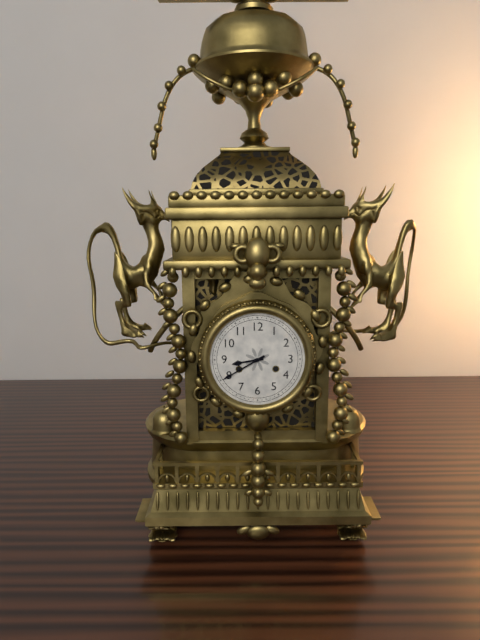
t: h=8 m=40
